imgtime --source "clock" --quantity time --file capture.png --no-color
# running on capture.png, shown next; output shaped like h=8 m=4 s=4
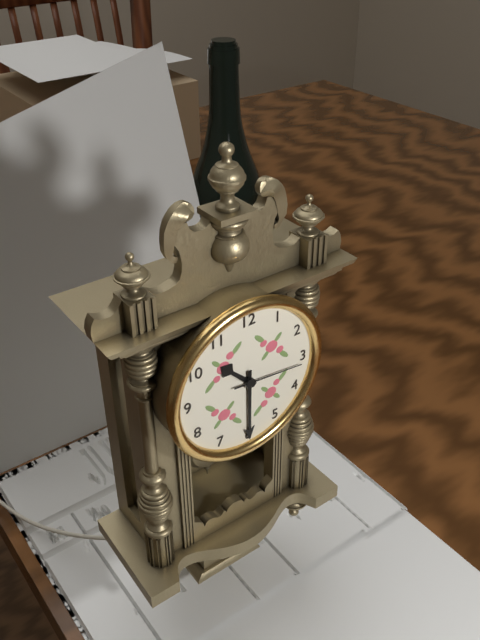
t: h=10 m=30 s=16
